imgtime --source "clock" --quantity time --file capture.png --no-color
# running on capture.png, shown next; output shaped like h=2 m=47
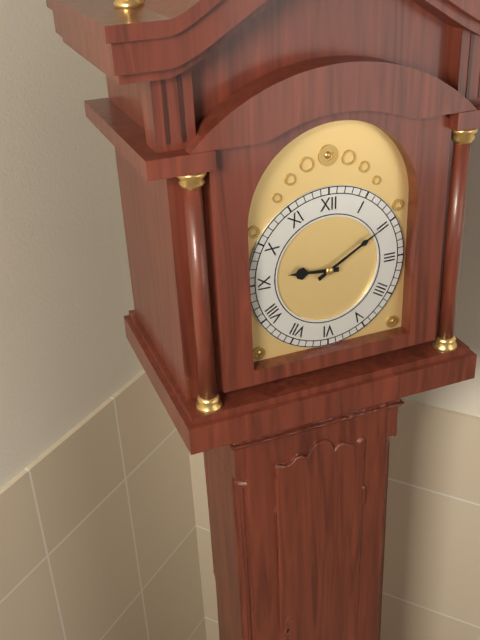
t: h=9 m=10
